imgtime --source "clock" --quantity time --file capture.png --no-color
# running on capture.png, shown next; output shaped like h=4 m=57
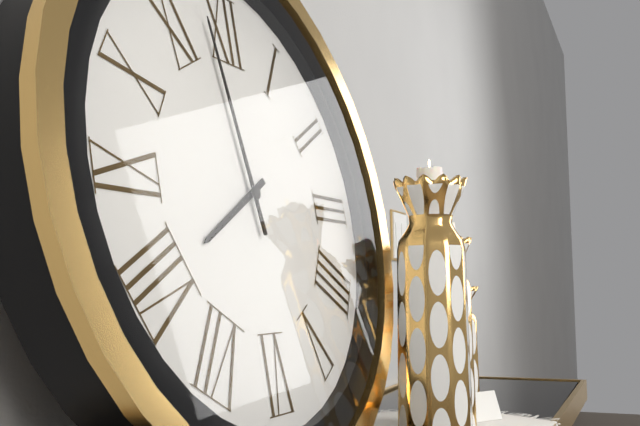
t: h=7 m=58
